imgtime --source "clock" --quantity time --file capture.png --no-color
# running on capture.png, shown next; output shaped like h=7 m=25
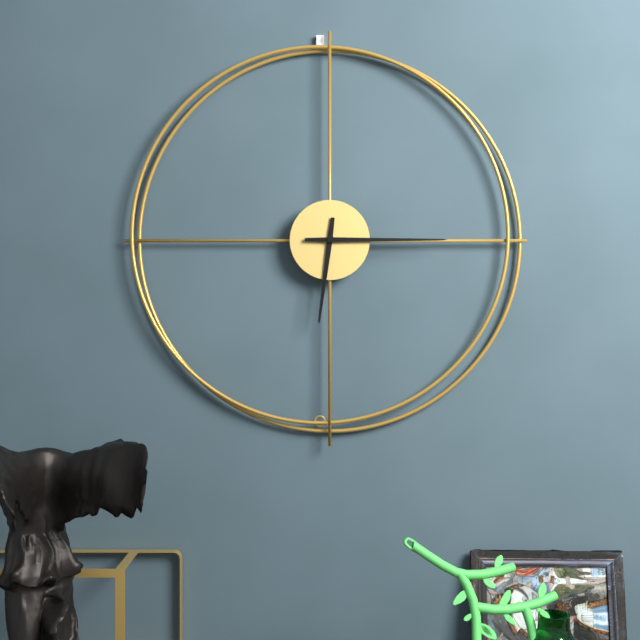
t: h=6 m=15
